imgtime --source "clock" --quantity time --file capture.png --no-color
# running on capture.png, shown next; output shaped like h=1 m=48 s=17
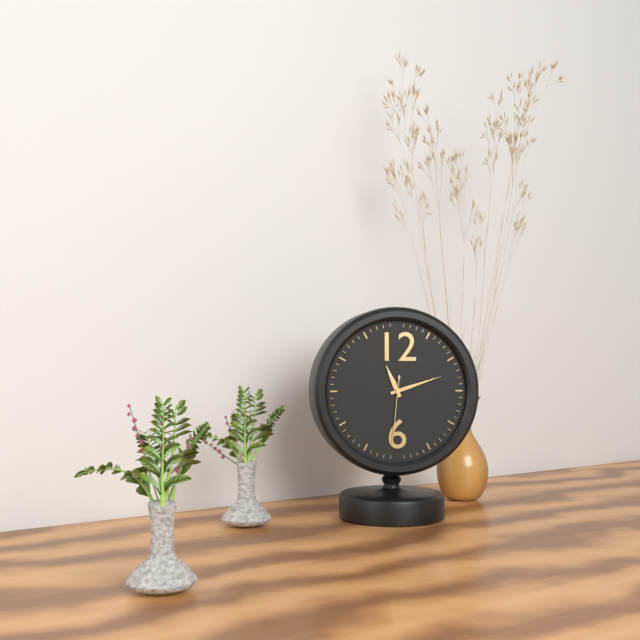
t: h=11 m=12 s=31
